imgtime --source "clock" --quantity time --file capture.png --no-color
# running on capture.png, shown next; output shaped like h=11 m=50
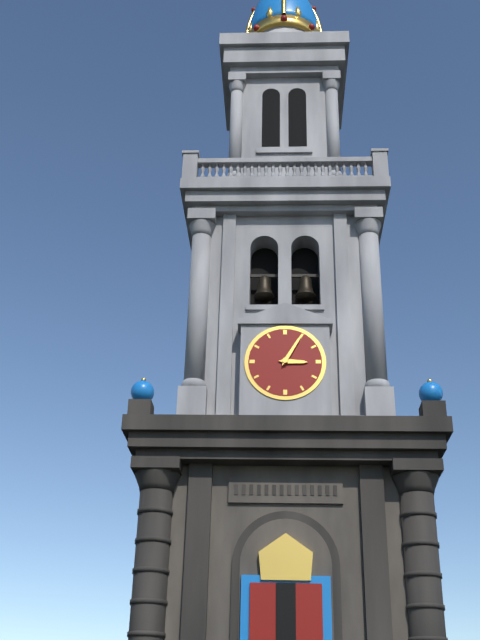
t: h=3 m=5
